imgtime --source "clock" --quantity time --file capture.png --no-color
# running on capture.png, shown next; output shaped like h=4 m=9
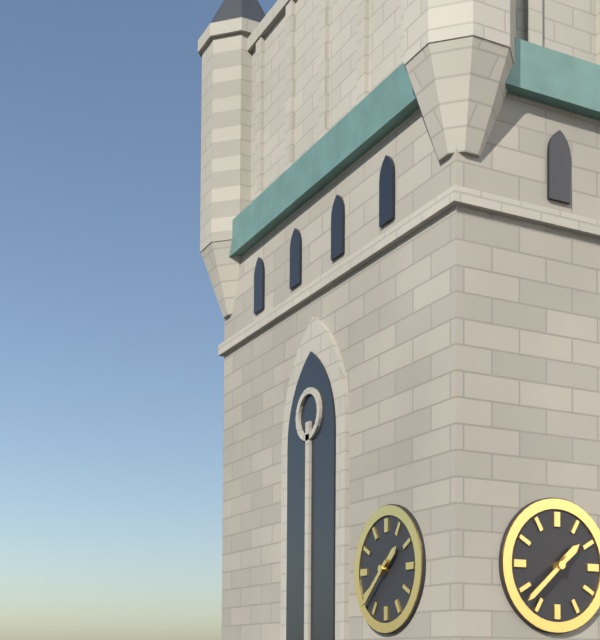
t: h=1 m=38
